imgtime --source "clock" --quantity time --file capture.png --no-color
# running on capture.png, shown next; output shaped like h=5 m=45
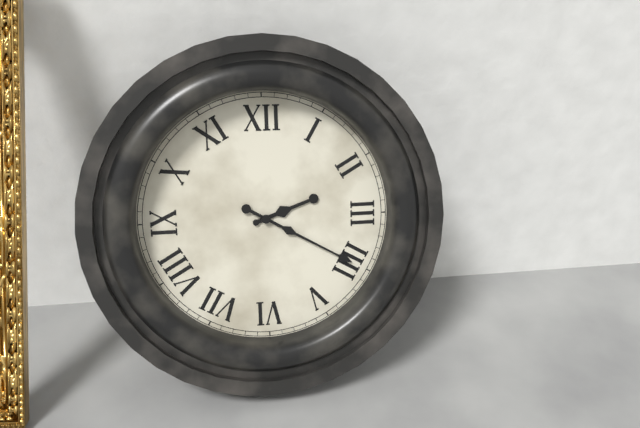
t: h=2 m=20
